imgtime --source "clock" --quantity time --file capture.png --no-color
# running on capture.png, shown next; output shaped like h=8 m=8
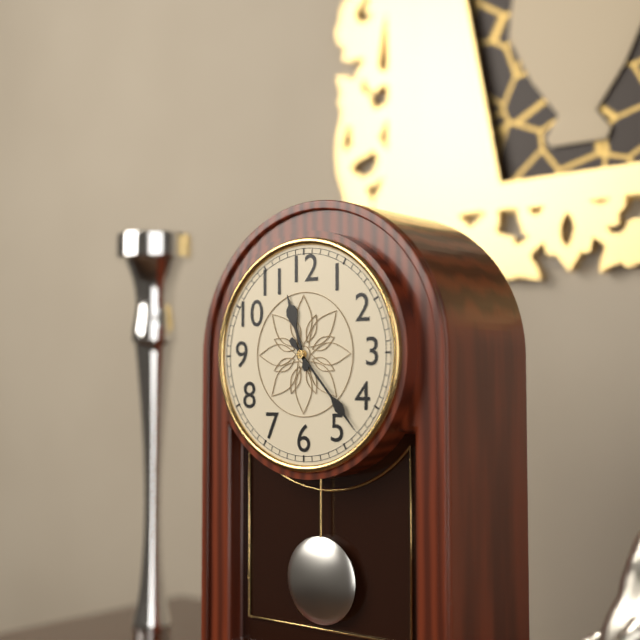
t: h=11 m=23
